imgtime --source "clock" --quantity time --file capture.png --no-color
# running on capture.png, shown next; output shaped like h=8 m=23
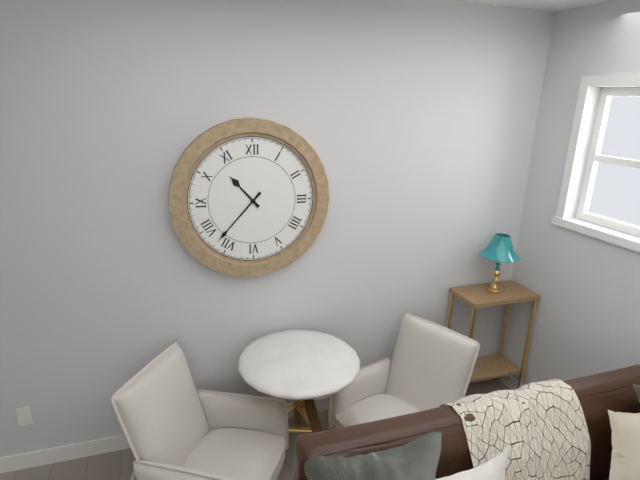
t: h=10 m=37
